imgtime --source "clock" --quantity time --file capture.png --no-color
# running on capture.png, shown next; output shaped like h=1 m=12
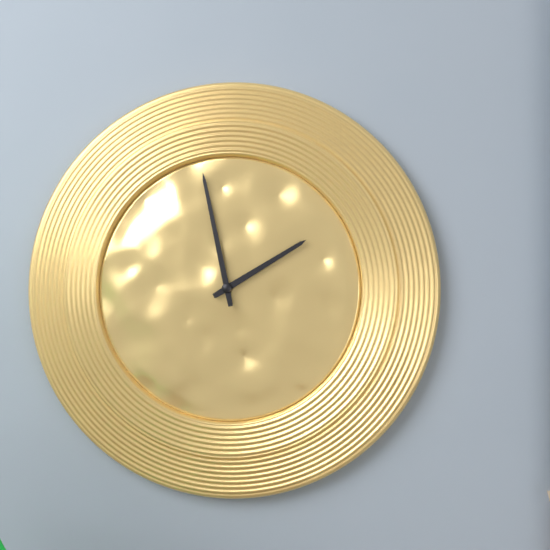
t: h=1 m=58
